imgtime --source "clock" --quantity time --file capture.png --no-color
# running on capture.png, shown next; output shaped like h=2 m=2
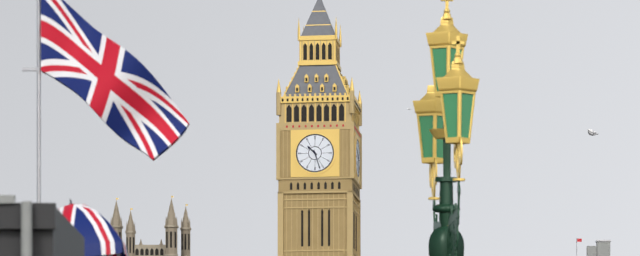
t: h=10 m=27
